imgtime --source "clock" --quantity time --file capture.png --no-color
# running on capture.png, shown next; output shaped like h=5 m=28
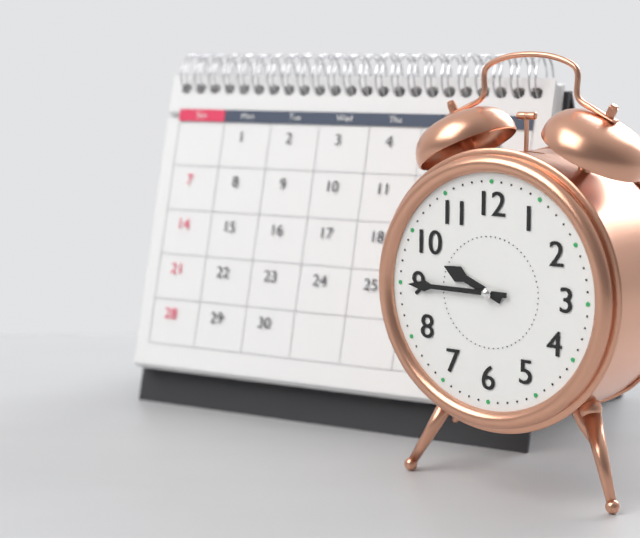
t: h=9 m=45
